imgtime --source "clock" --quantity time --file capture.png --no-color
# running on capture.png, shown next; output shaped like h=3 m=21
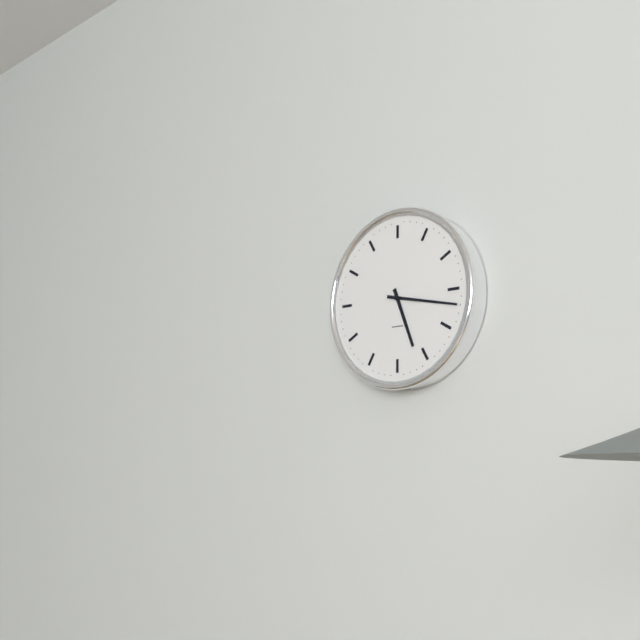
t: h=5 m=17
